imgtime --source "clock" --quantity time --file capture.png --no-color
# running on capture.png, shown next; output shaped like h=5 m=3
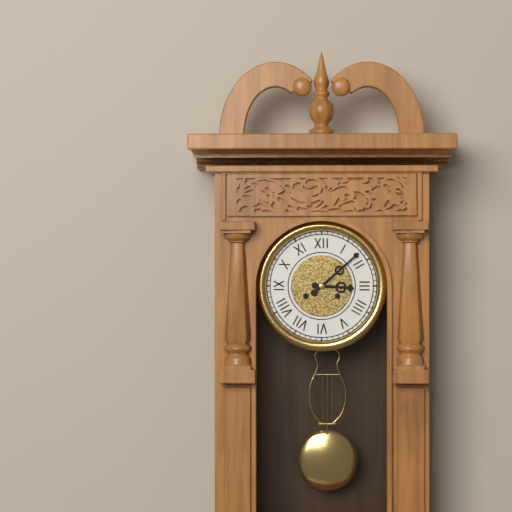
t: h=3 m=8
